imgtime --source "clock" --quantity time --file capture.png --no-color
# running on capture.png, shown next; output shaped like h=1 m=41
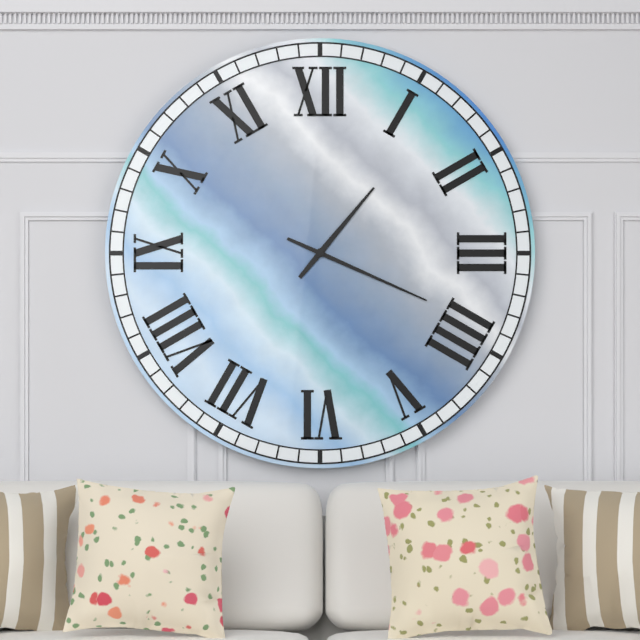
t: h=1 m=19
